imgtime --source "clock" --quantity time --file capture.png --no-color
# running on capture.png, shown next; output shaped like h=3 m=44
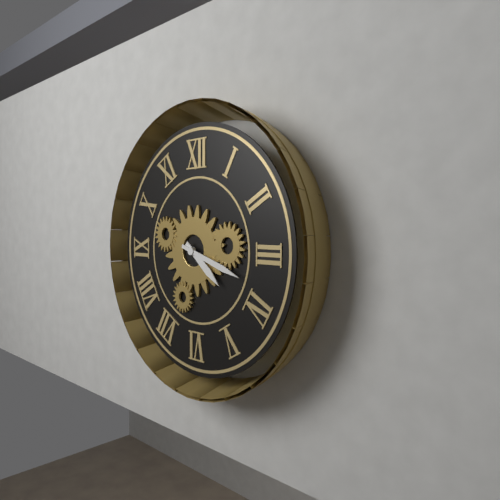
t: h=4 m=18
